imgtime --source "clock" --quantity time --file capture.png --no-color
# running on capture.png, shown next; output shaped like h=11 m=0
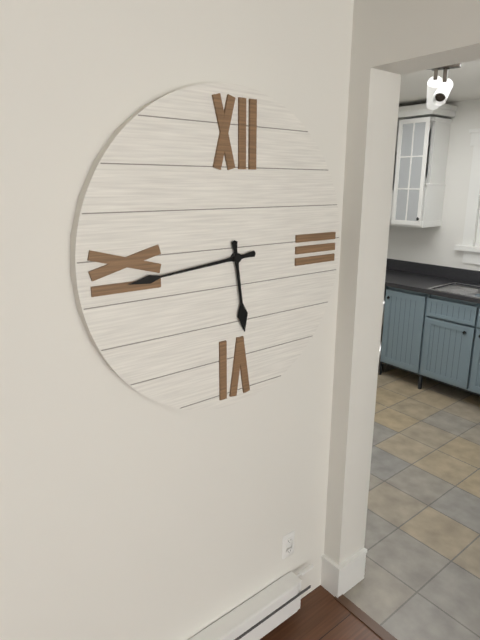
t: h=5 m=44
